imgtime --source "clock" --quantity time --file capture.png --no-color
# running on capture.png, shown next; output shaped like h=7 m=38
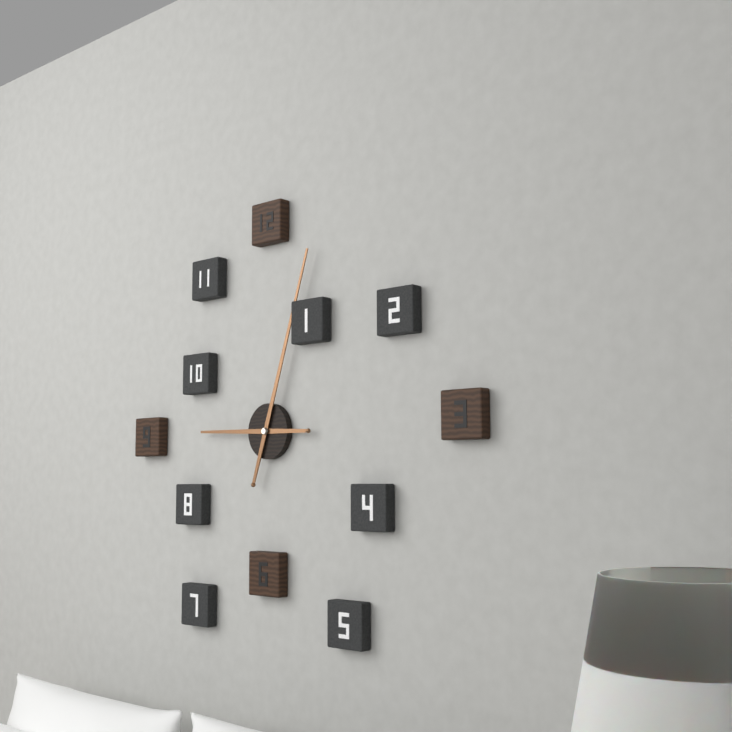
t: h=9 m=3
